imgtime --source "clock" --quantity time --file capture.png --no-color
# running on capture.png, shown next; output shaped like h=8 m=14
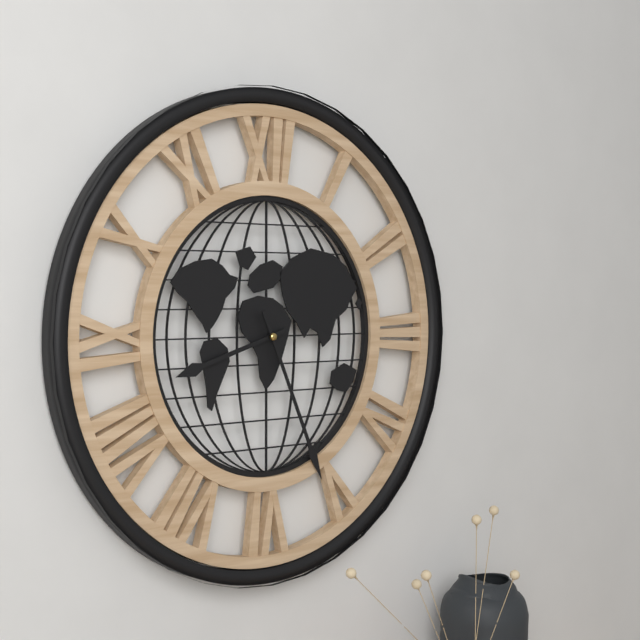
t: h=8 m=26
